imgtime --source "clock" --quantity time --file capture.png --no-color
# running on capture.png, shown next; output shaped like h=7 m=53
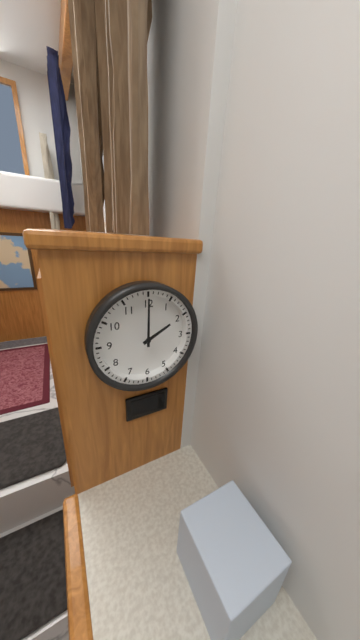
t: h=2 m=0
